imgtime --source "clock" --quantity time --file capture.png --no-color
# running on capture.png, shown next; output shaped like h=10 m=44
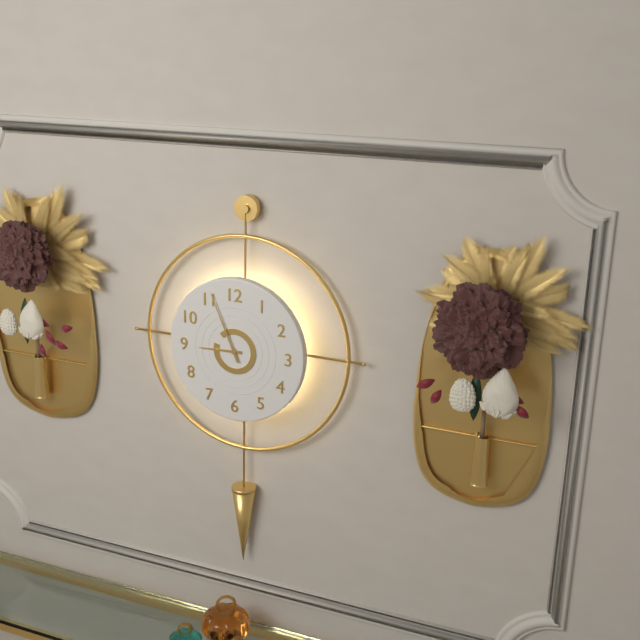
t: h=8 m=56
